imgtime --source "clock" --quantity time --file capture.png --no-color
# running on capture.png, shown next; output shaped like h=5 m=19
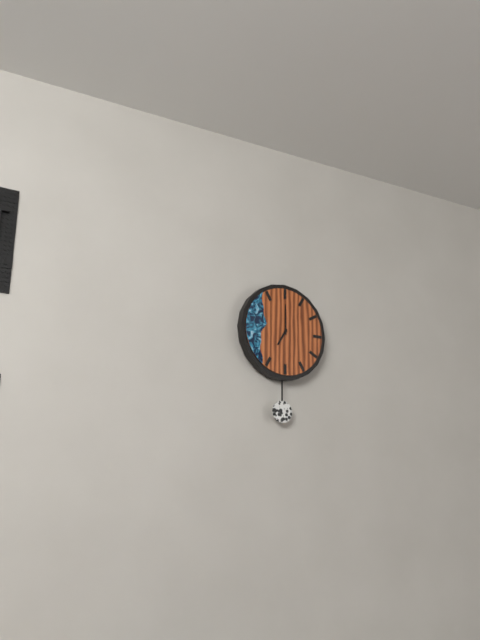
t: h=7 m=0
